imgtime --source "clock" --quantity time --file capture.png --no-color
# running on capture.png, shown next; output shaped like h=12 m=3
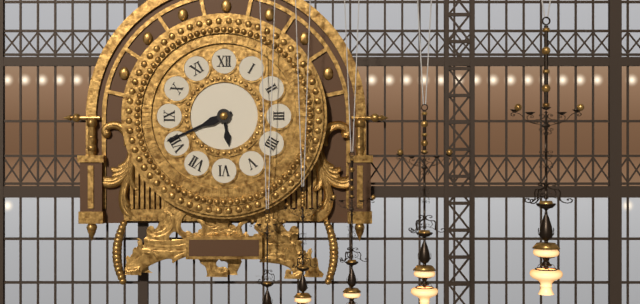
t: h=5 m=41
